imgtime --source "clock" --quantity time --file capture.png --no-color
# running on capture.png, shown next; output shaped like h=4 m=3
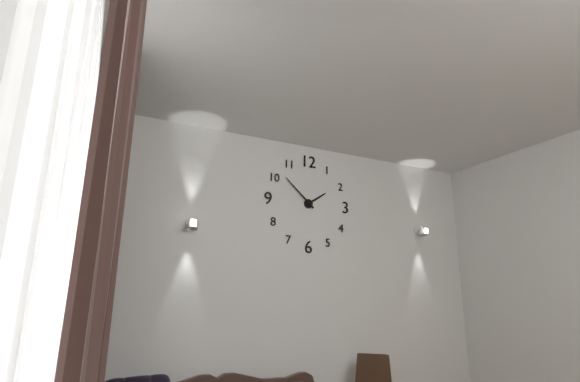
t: h=1 m=52
